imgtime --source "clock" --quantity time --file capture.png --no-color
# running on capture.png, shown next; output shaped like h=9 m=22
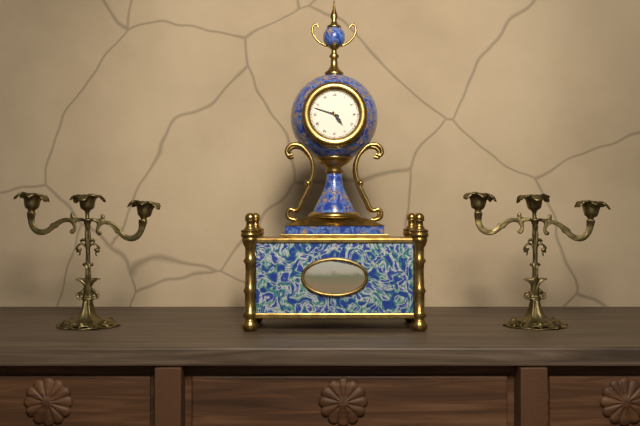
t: h=4 m=48
